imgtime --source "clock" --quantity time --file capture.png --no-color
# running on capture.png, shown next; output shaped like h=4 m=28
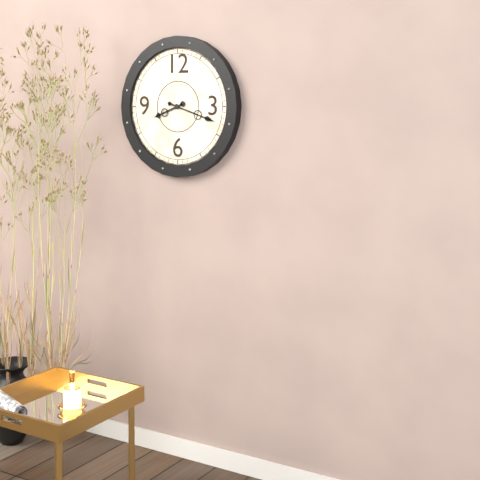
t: h=8 m=18
